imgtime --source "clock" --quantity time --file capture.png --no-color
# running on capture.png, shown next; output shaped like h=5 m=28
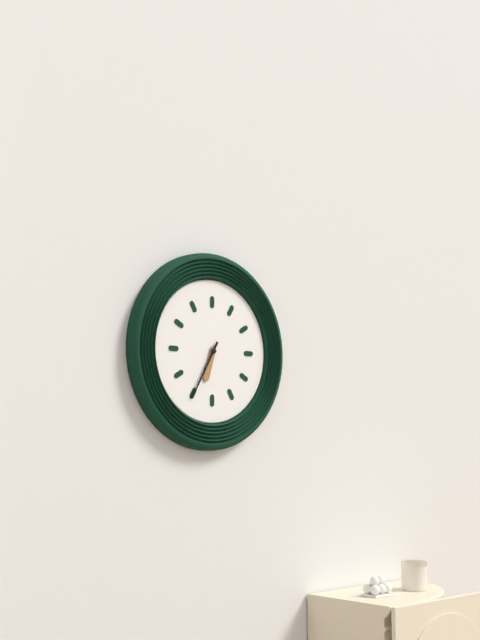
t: h=6 m=35
